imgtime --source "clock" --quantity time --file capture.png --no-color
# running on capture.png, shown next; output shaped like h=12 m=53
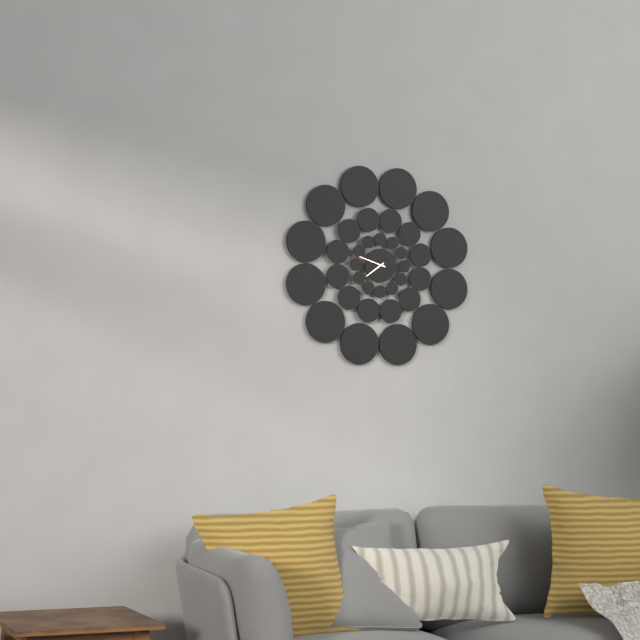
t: h=7 m=48
